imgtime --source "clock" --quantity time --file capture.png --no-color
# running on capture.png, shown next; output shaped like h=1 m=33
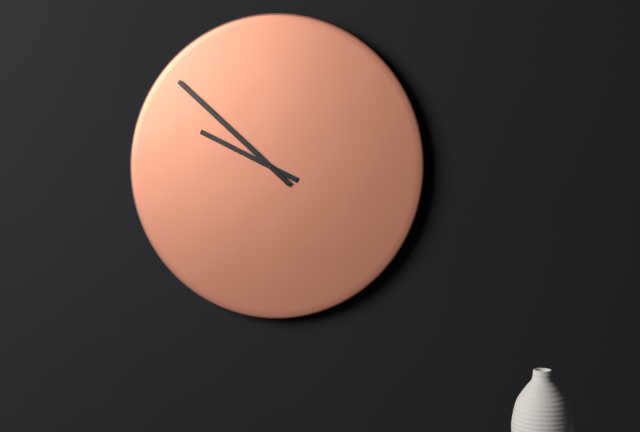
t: h=9 m=52
